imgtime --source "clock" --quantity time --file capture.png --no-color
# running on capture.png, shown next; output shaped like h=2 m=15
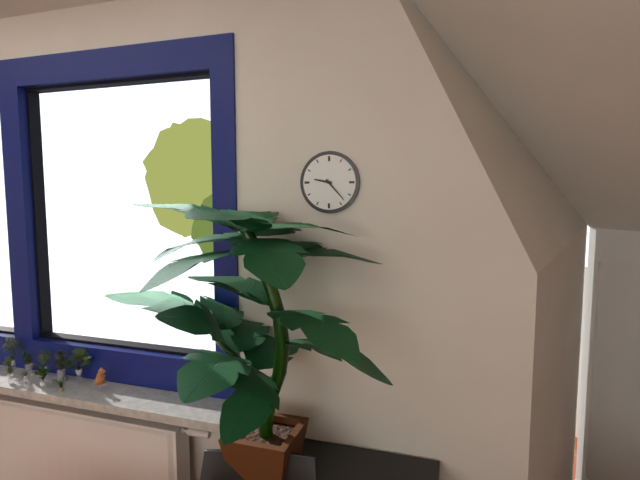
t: h=9 m=23
